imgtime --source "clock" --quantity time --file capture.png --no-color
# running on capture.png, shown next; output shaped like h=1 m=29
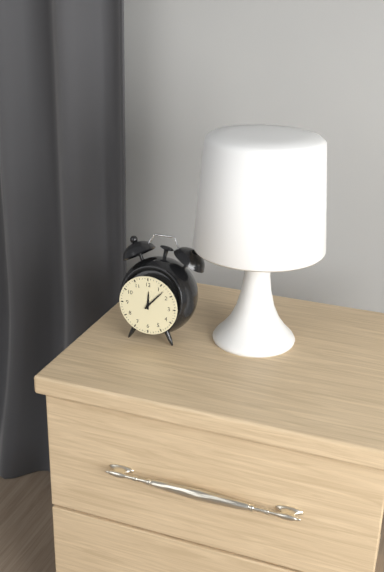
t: h=12 m=7
